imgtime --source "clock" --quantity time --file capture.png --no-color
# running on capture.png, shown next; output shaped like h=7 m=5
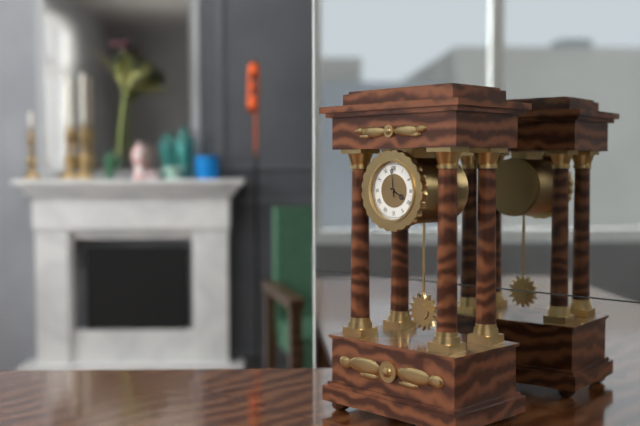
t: h=3 m=59
